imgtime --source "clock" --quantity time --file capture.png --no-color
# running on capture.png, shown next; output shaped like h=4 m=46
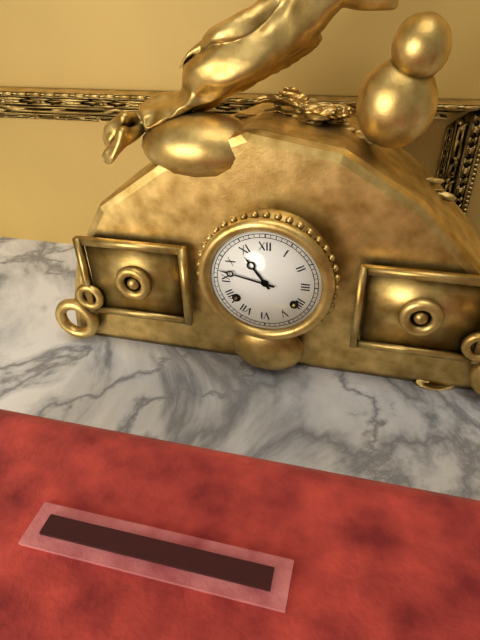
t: h=10 m=47
